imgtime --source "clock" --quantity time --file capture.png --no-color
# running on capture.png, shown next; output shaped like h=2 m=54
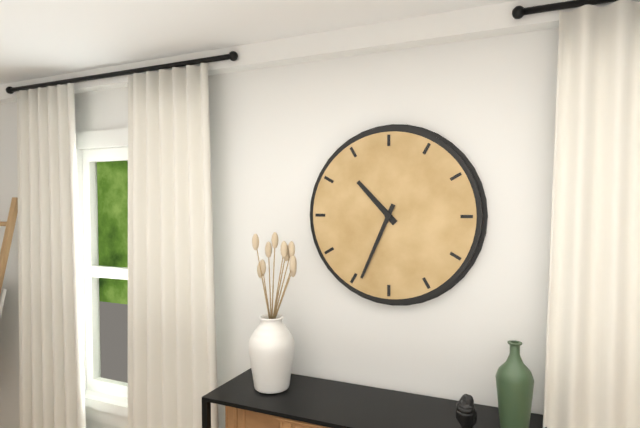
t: h=10 m=34
